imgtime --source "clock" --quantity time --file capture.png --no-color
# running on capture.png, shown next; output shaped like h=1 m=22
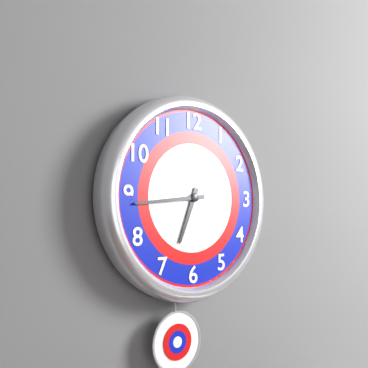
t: h=6 m=44
